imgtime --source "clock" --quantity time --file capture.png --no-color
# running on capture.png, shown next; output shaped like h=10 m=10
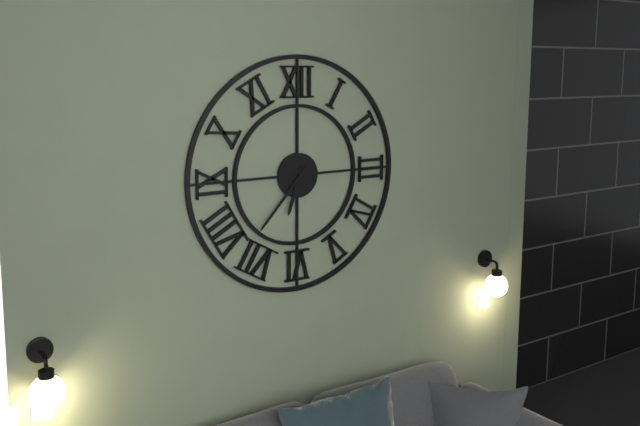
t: h=6 m=37
